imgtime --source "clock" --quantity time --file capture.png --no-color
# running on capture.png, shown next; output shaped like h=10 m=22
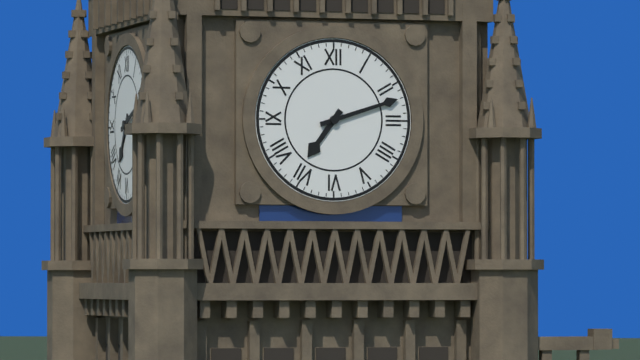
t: h=7 m=12
